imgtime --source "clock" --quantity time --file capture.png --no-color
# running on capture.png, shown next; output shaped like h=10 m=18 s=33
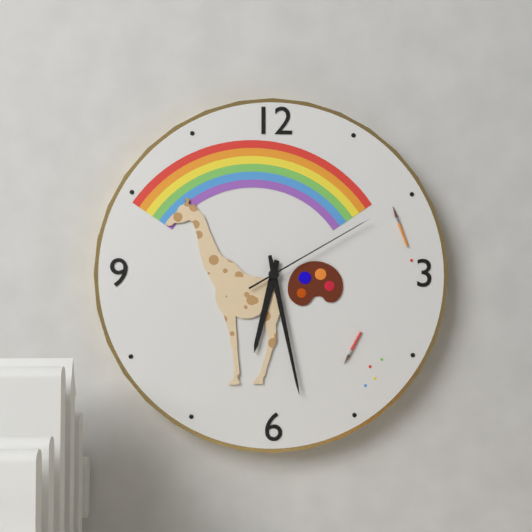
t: h=6 m=28 s=10
